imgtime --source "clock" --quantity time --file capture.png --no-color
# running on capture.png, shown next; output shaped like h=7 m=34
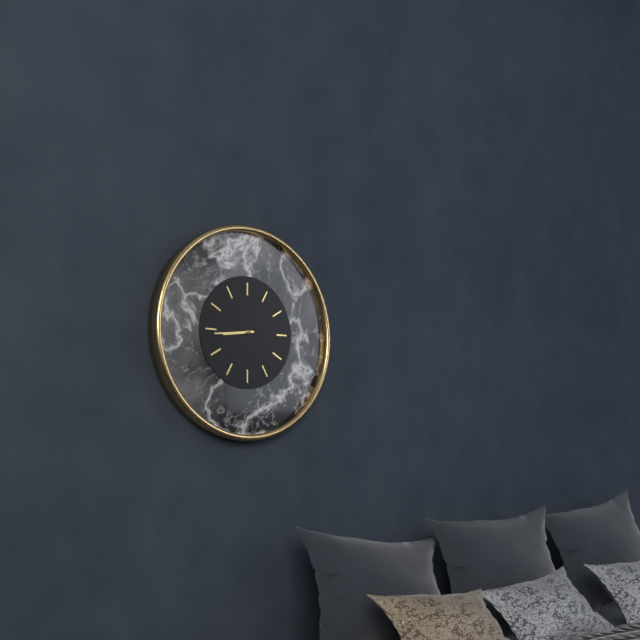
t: h=8 m=44
